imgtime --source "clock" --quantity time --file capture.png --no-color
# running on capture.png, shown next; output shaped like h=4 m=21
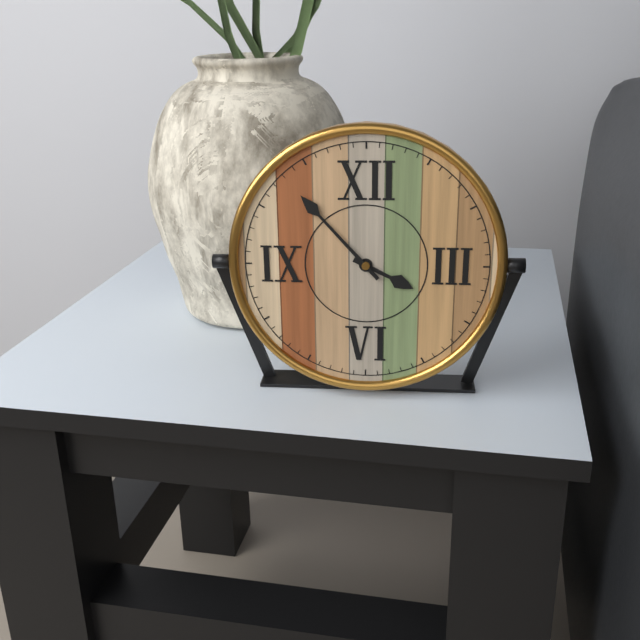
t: h=3 m=53
